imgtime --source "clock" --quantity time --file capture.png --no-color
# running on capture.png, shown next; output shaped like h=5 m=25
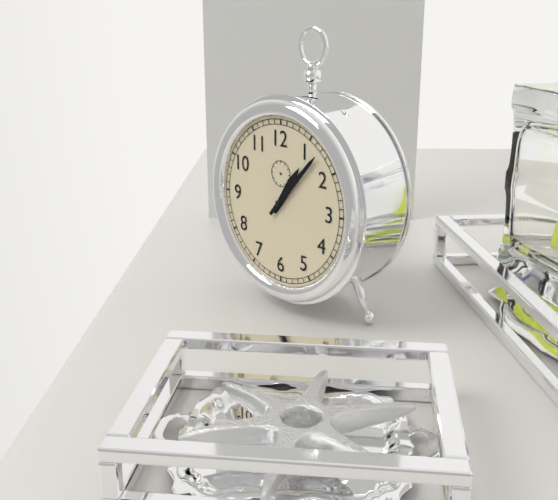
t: h=1 m=7
